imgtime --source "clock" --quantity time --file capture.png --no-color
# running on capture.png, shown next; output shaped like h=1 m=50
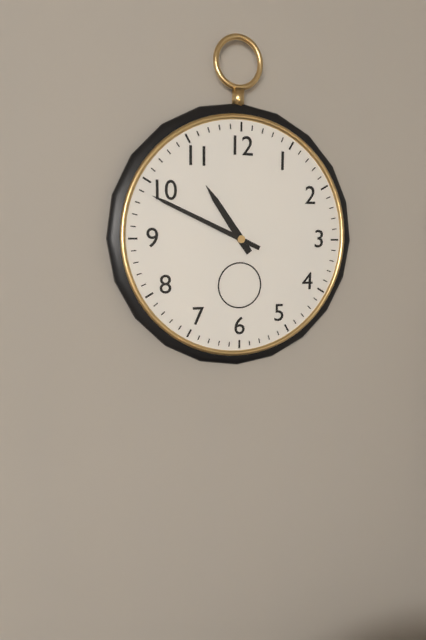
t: h=10 m=49
